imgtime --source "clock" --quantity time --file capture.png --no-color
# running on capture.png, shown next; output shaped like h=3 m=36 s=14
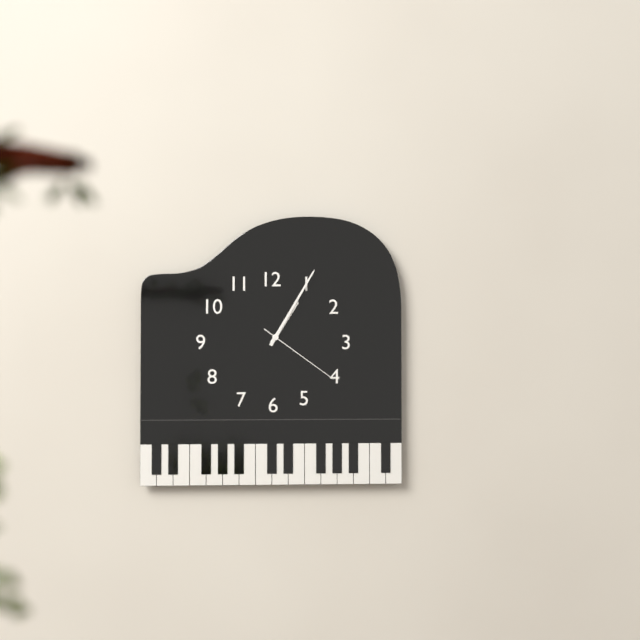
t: h=1 m=5 s=21
